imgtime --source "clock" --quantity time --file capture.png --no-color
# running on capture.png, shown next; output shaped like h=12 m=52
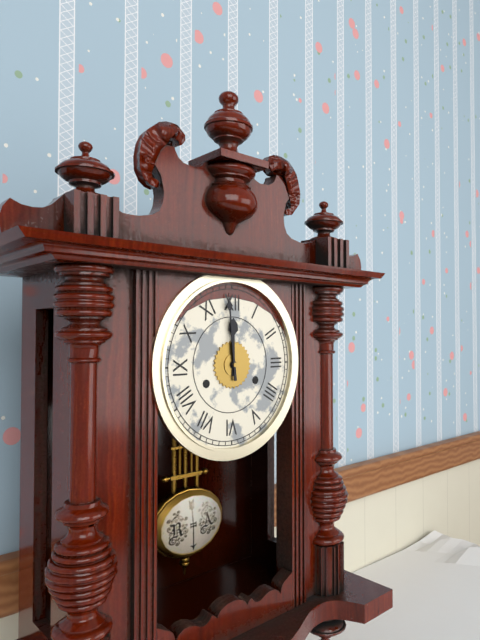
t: h=11 m=59
